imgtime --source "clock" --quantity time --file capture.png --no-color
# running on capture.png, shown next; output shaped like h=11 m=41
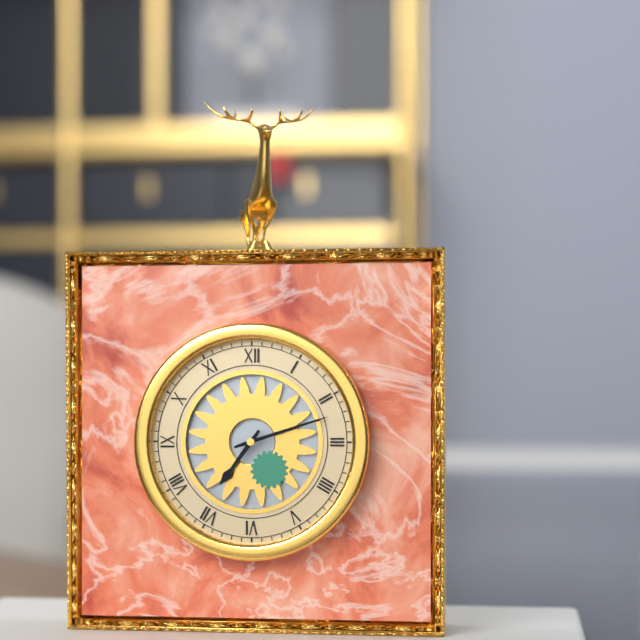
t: h=7 m=12
